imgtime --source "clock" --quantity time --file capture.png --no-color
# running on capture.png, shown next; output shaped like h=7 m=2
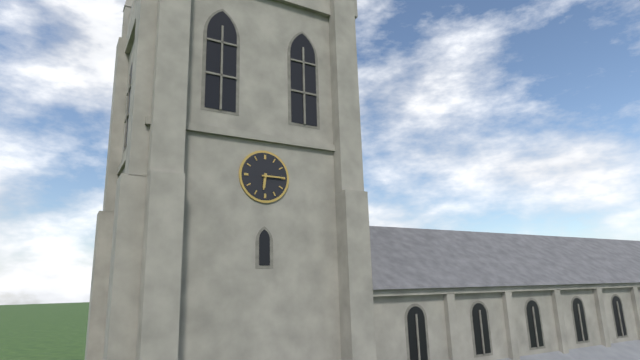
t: h=6 m=15
